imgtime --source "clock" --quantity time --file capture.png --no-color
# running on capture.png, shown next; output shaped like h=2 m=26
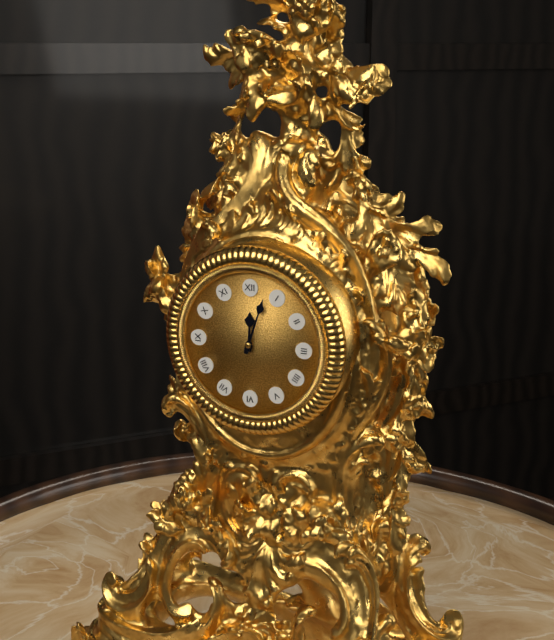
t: h=12 m=3
